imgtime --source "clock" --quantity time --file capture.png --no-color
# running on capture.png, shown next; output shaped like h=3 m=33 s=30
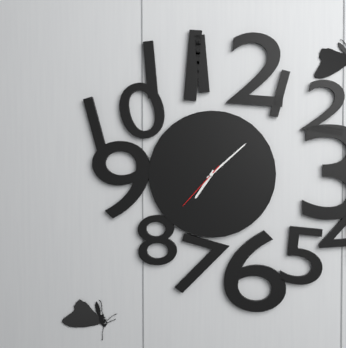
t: h=7 m=8 s=37
